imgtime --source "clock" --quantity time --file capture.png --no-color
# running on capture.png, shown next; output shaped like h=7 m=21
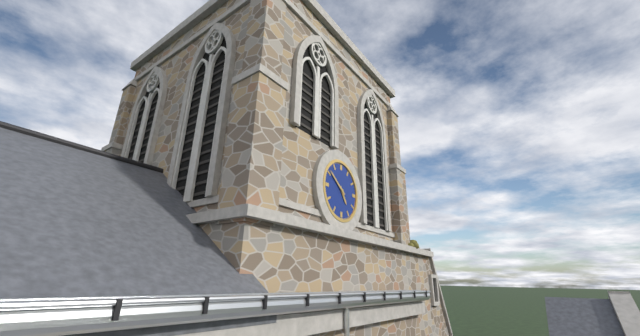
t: h=4 m=51
